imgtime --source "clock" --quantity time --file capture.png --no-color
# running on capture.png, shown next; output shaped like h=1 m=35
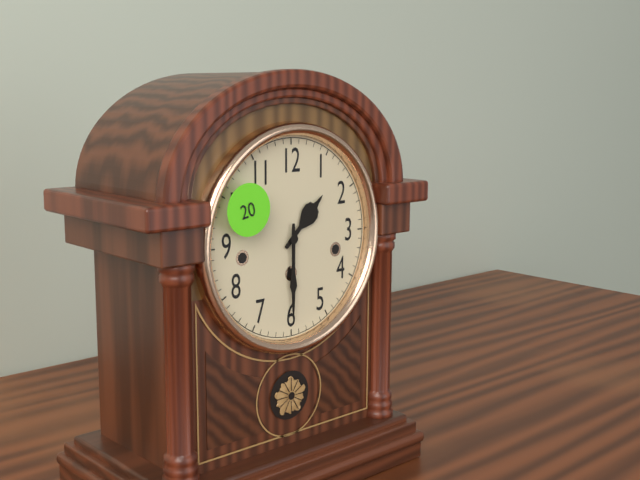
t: h=1 m=30
